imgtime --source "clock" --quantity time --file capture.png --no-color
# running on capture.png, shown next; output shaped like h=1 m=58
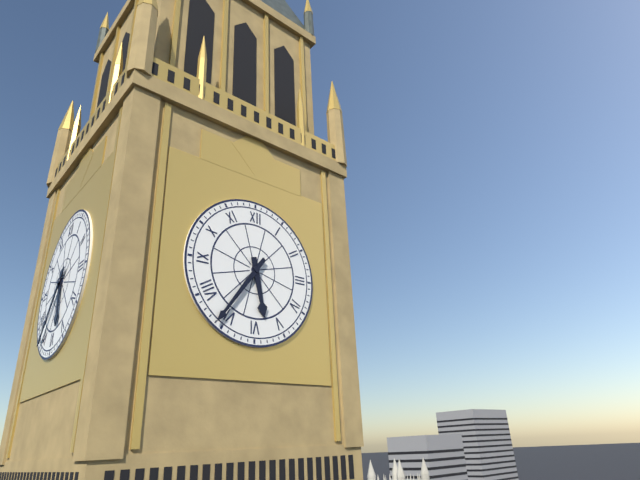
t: h=5 m=36
